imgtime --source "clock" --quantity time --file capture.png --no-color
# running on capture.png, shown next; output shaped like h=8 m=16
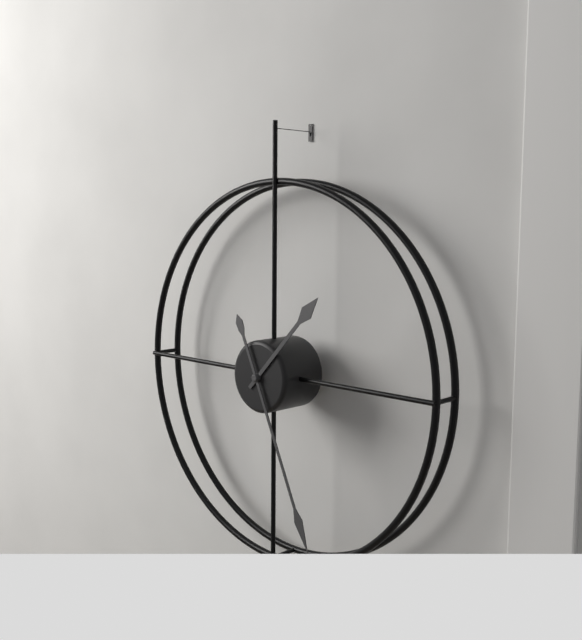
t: h=1 m=26
